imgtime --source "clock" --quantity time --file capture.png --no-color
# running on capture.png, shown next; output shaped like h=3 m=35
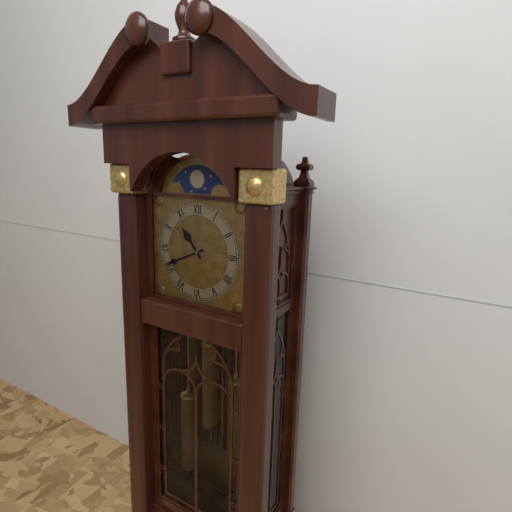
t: h=10 m=41
